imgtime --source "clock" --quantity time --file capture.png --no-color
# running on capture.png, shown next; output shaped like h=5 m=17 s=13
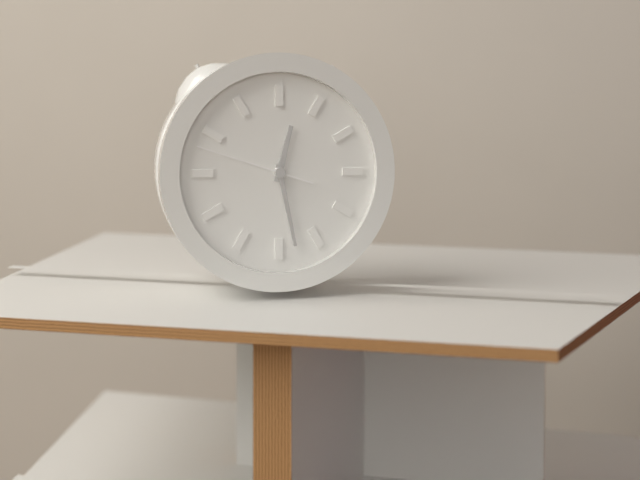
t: h=12 m=28 s=48
